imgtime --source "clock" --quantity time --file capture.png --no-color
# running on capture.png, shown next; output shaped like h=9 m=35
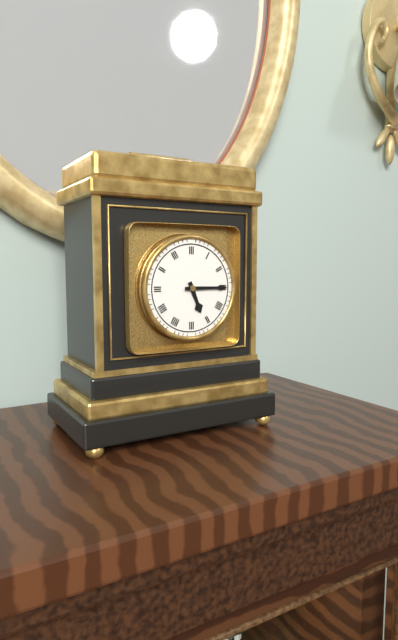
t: h=5 m=15
